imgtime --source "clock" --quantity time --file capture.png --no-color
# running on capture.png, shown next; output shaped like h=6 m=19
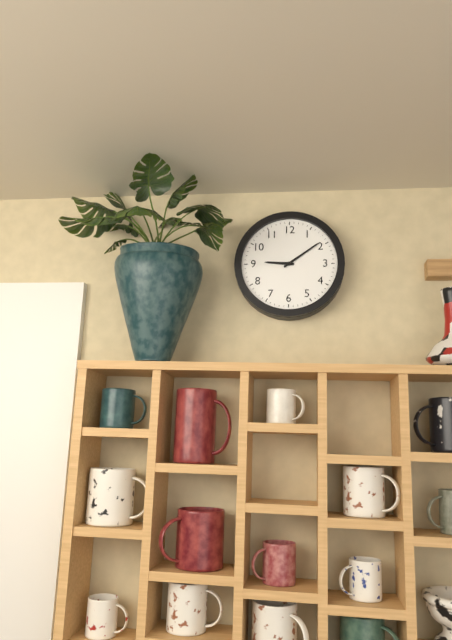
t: h=9 m=9
